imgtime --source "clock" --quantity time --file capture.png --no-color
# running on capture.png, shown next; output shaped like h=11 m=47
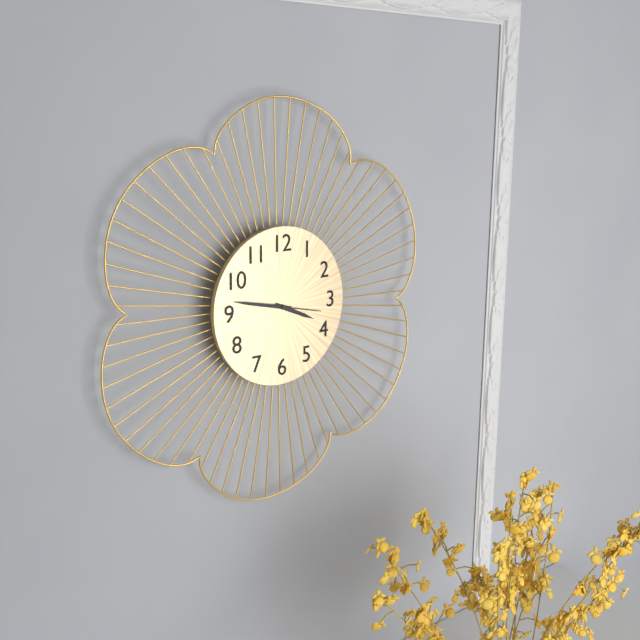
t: h=3 m=47
